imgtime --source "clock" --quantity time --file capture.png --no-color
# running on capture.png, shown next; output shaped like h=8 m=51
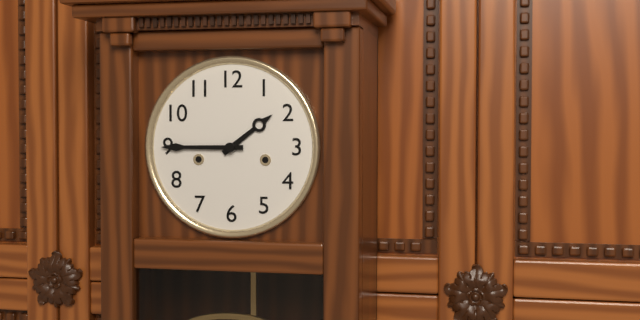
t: h=1 m=45
